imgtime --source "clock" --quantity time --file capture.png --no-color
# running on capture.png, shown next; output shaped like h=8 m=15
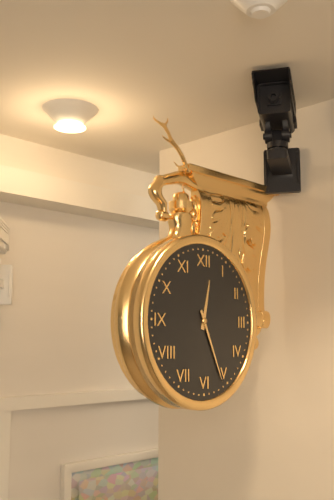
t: h=12 m=26
